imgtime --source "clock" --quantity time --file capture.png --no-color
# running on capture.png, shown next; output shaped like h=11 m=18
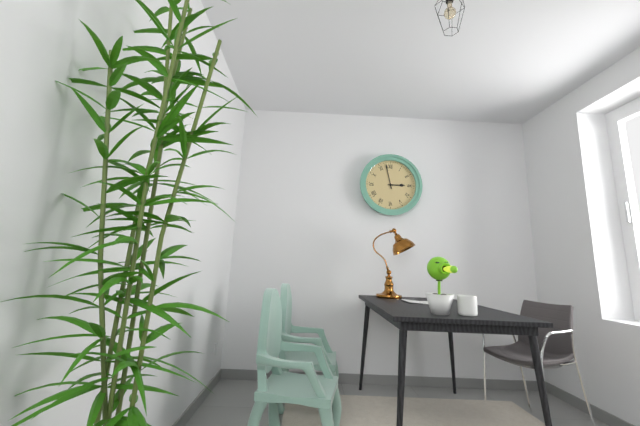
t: h=2 m=58
